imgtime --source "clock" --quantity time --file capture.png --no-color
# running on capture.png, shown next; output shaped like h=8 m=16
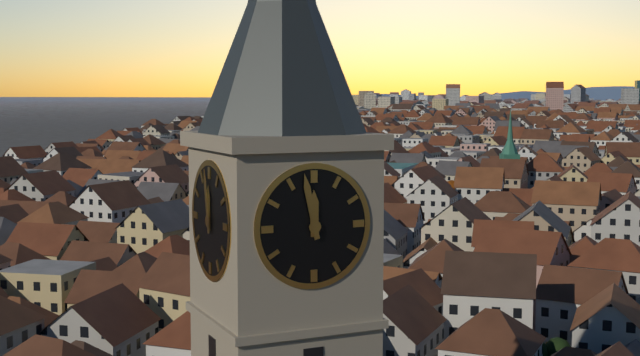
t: h=11 m=58
